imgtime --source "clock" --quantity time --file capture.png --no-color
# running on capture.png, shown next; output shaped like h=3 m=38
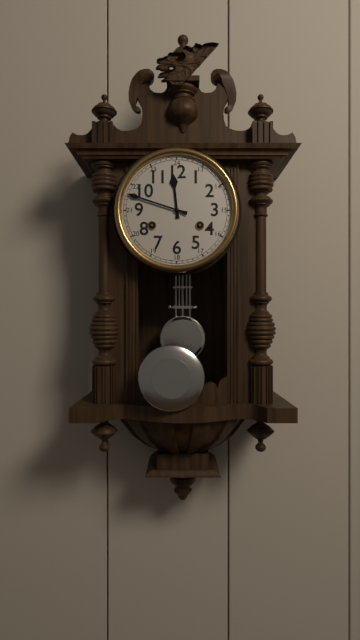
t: h=11 m=48
